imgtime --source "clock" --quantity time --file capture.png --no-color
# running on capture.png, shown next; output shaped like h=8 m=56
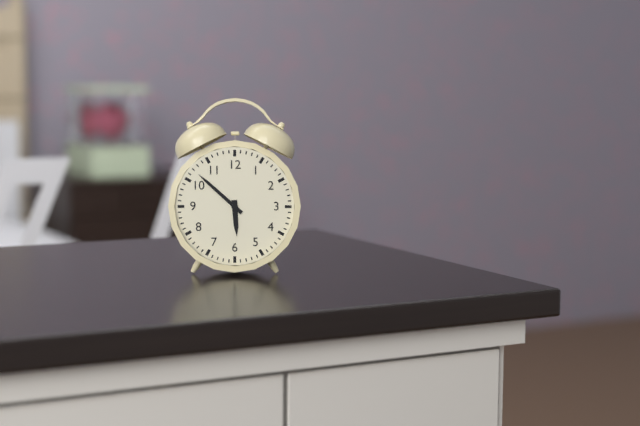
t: h=5 m=52
